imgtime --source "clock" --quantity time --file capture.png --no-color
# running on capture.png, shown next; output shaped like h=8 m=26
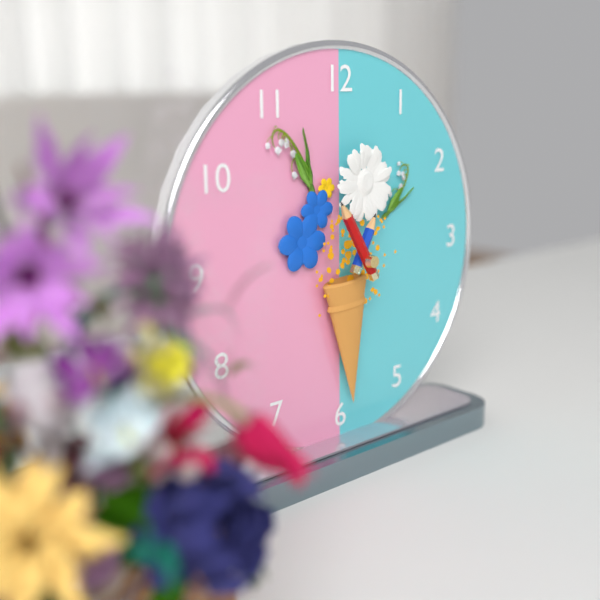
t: h=12 m=55
